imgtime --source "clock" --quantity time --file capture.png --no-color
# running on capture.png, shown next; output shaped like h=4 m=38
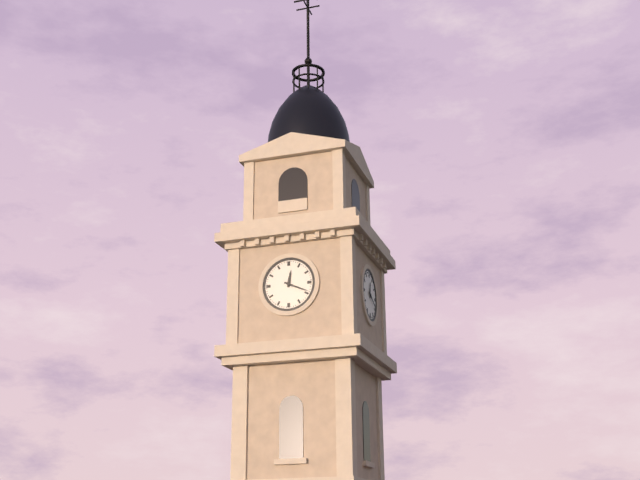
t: h=12 m=19
